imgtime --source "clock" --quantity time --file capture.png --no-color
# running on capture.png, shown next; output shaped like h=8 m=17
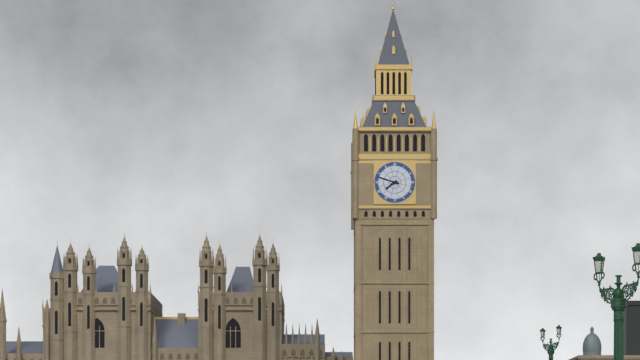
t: h=7 m=48
